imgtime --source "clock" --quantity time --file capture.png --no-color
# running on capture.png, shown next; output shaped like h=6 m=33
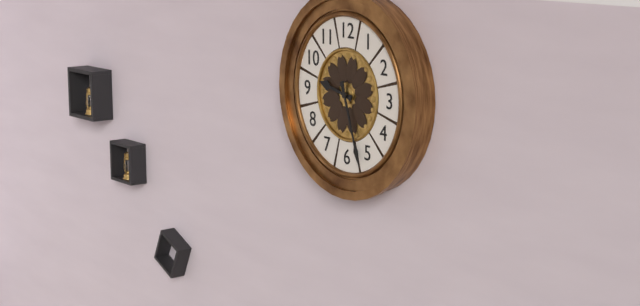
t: h=9 m=27
